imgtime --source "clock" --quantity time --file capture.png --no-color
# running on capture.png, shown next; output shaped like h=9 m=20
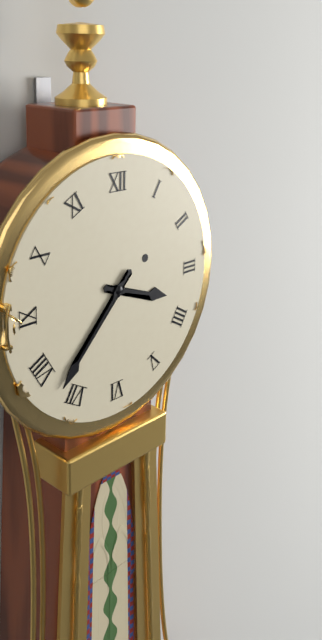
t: h=3 m=37
